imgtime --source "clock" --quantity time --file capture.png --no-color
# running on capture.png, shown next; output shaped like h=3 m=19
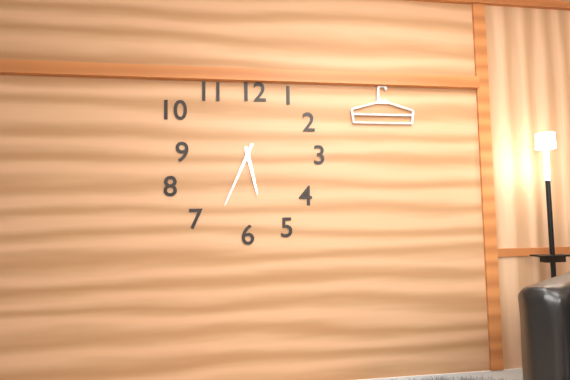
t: h=5 m=34
